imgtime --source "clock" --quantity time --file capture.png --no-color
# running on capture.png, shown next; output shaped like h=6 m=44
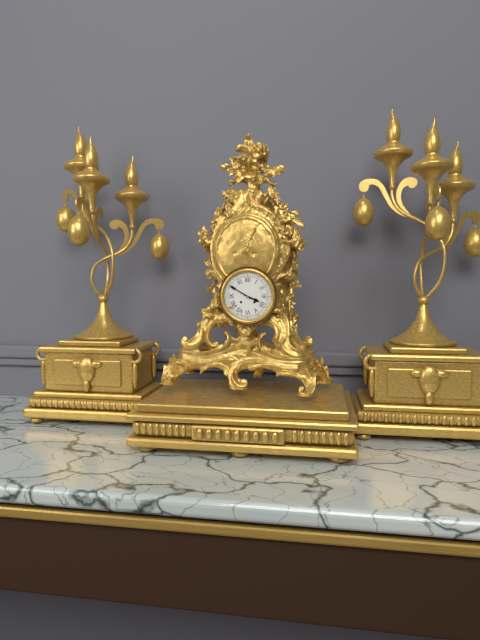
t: h=3 m=50
